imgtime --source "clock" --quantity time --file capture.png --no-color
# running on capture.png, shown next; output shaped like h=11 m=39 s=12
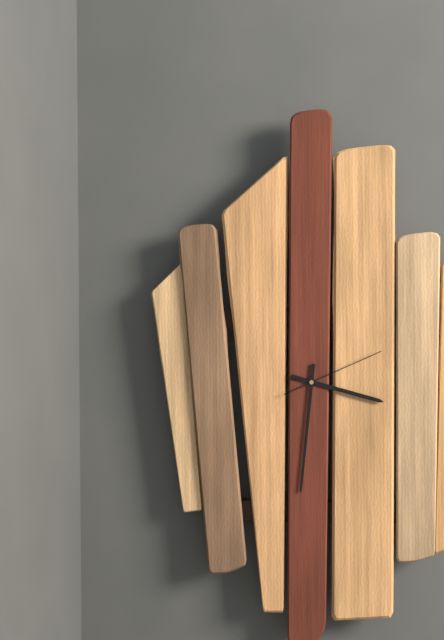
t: h=3 m=31 s=11
